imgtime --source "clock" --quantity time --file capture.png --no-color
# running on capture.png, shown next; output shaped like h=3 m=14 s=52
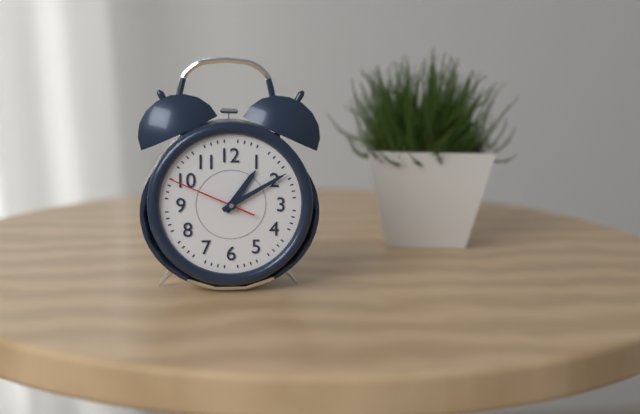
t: h=1 m=10 s=49
